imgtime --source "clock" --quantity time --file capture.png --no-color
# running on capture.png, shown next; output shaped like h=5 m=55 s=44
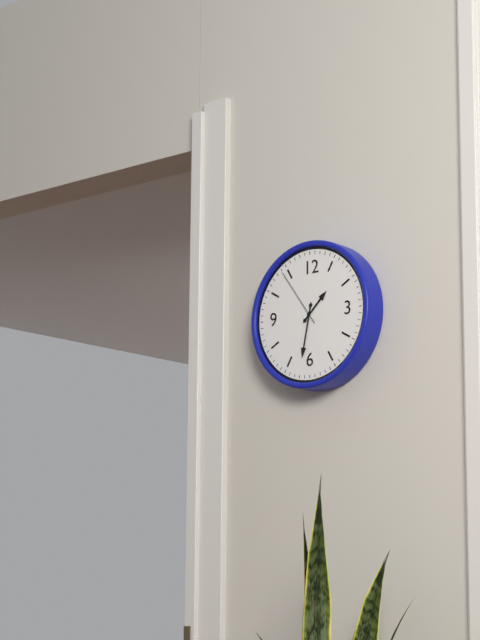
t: h=1 m=32 s=54
